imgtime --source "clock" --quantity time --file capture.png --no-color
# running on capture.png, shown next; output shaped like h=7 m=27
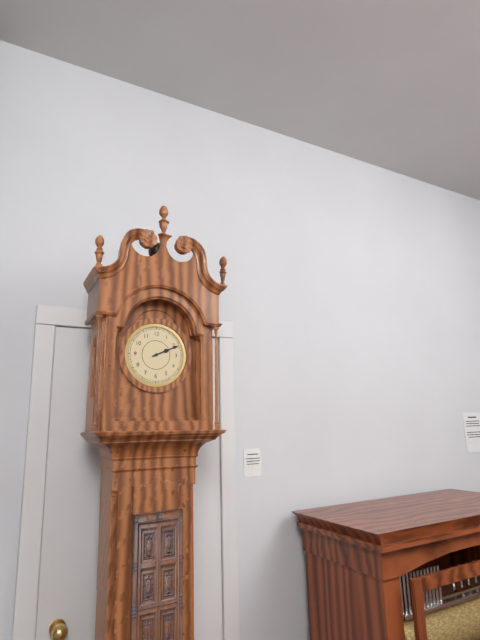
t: h=2 m=11
